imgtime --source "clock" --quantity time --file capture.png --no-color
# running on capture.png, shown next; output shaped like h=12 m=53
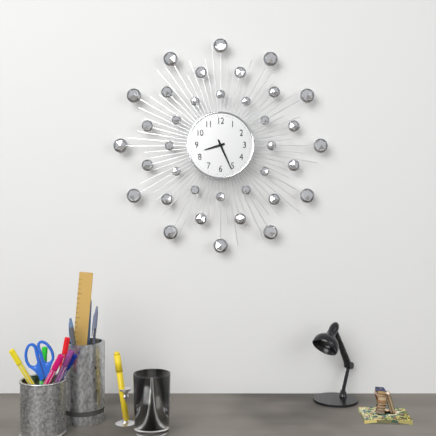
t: h=8 m=26
